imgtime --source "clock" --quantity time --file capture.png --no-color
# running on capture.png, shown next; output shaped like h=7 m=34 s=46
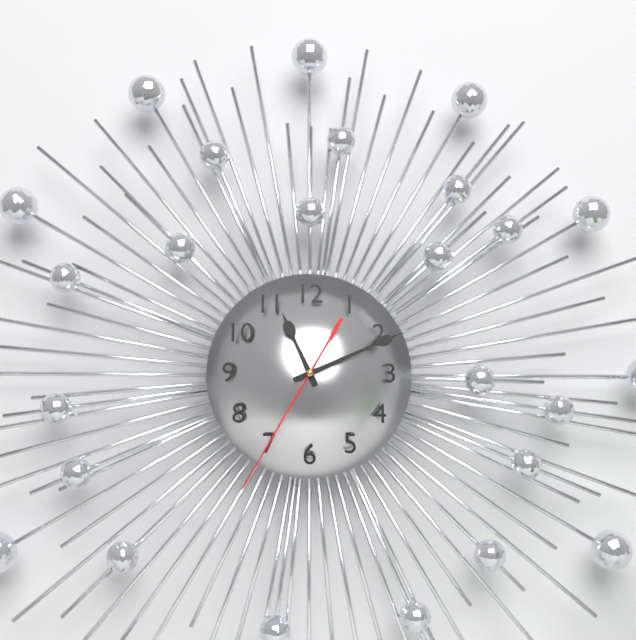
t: h=11 m=11 s=35
